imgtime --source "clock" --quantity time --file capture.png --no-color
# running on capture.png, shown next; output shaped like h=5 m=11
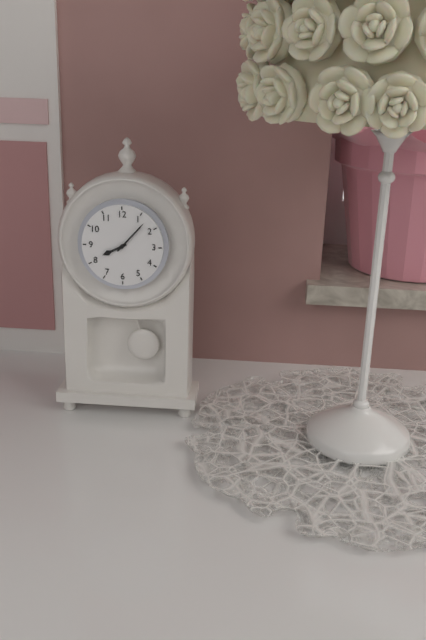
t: h=8 m=7
